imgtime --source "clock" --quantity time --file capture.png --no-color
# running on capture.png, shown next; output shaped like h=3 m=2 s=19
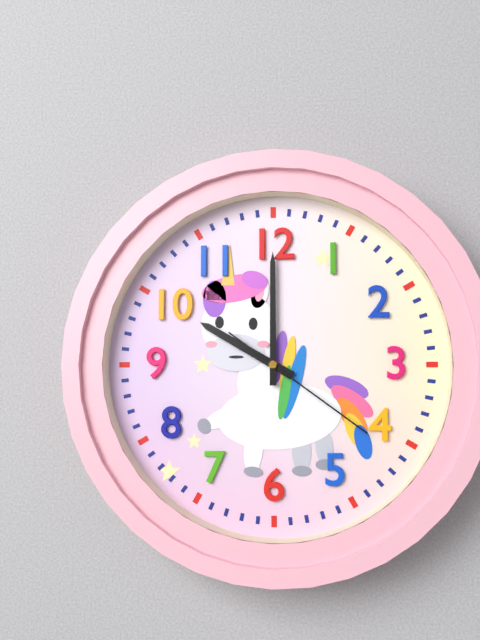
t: h=10 m=0 s=21
